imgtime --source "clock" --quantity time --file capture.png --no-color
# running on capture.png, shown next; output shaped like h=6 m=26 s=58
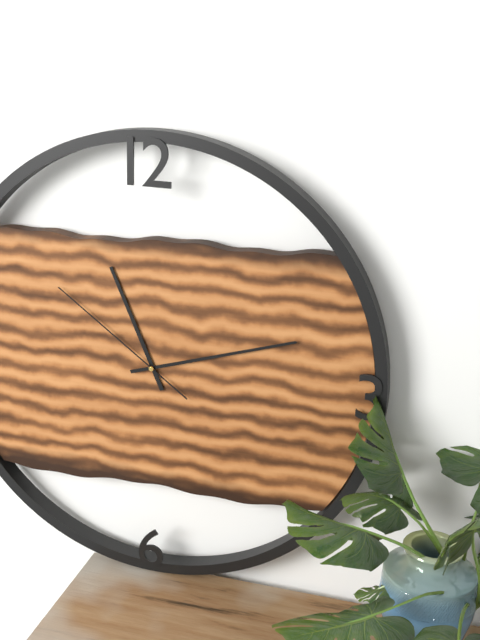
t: h=11 m=12 s=51
